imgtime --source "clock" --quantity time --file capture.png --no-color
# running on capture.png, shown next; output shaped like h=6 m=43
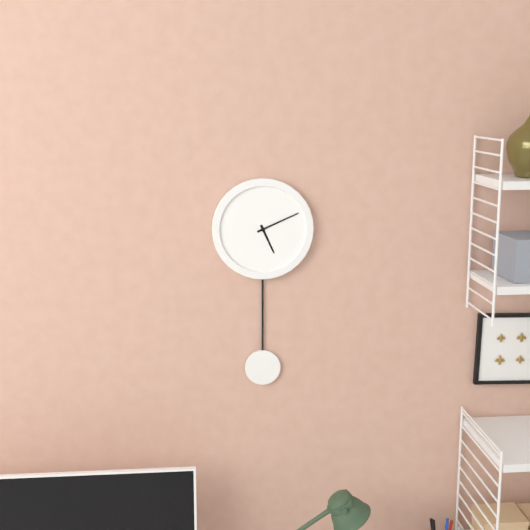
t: h=5 m=11
